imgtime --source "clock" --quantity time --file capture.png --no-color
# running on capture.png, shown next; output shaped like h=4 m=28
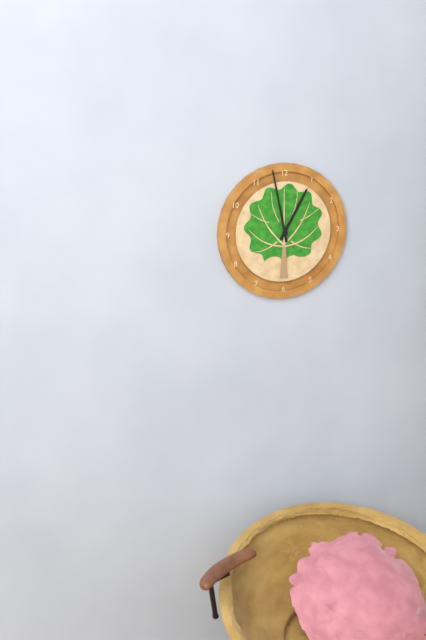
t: h=12 m=58
